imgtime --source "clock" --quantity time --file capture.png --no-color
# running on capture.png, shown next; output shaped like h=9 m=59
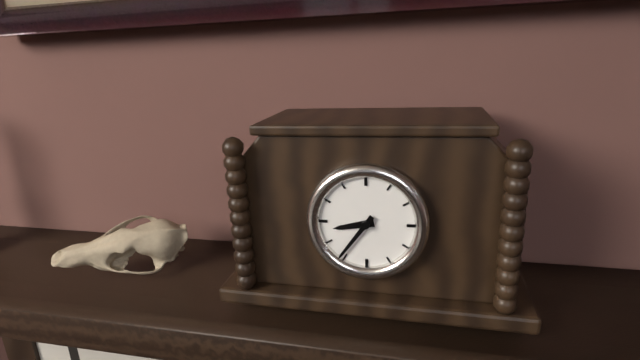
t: h=8 m=36
